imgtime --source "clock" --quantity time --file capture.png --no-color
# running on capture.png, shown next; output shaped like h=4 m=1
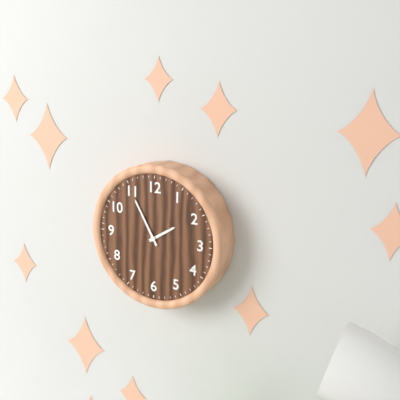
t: h=1 m=55
